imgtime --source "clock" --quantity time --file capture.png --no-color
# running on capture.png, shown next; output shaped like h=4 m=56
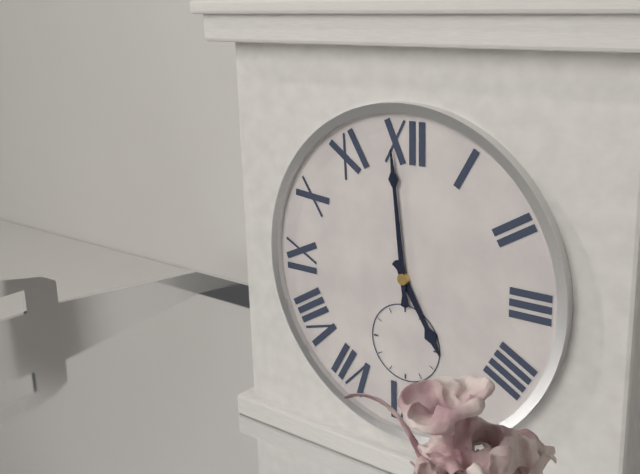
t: h=4 m=59
